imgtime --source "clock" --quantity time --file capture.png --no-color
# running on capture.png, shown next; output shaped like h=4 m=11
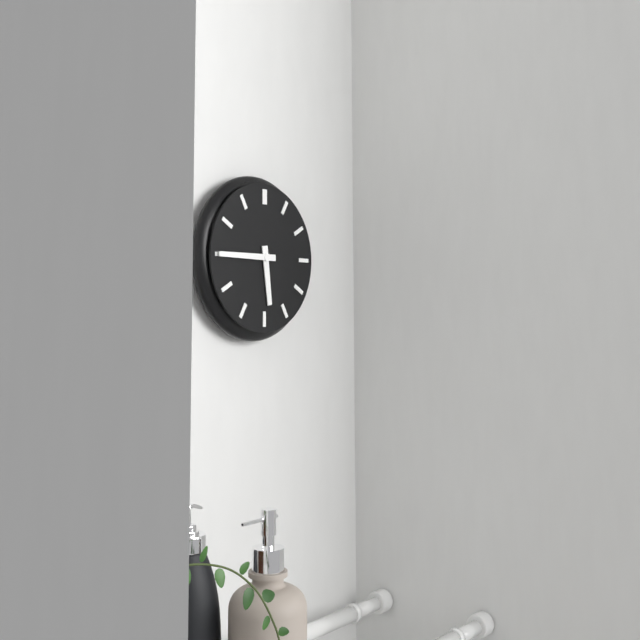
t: h=5 m=45
